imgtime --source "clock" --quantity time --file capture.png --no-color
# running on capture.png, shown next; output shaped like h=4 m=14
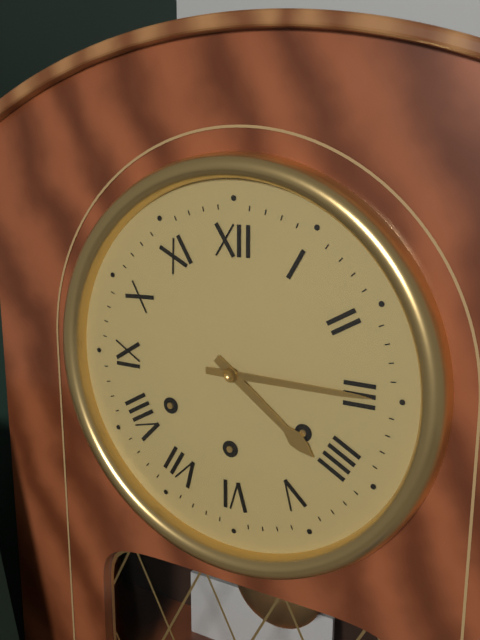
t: h=4 m=15
